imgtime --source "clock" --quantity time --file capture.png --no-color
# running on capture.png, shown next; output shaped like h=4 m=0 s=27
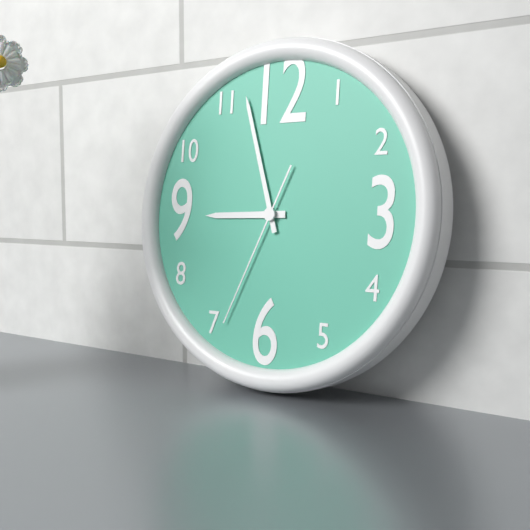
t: h=8 m=57 s=34
